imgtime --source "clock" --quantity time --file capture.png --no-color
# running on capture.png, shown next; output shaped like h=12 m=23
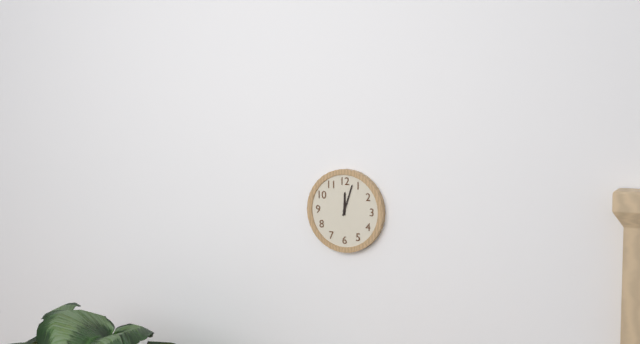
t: h=12 m=3
